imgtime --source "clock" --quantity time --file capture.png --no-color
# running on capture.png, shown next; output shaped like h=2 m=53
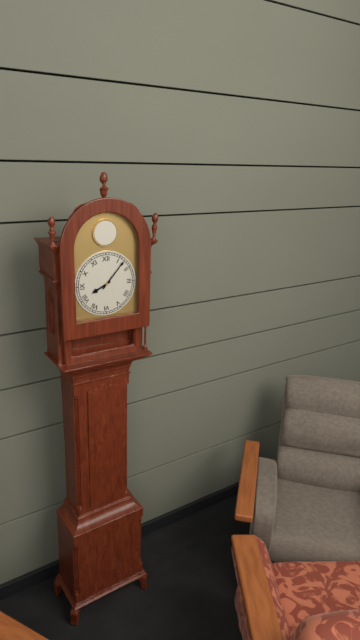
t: h=8 m=7
